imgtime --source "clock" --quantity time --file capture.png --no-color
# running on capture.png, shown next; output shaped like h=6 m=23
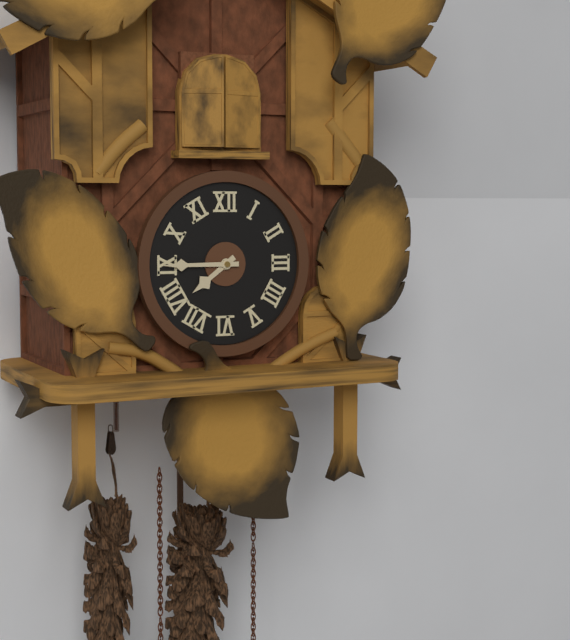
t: h=7 m=45
